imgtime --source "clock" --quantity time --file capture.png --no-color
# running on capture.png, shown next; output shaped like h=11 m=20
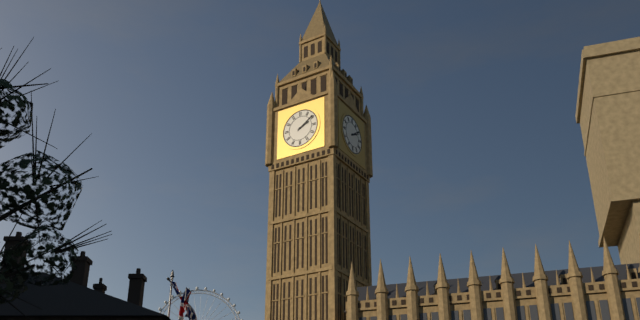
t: h=2 m=9
